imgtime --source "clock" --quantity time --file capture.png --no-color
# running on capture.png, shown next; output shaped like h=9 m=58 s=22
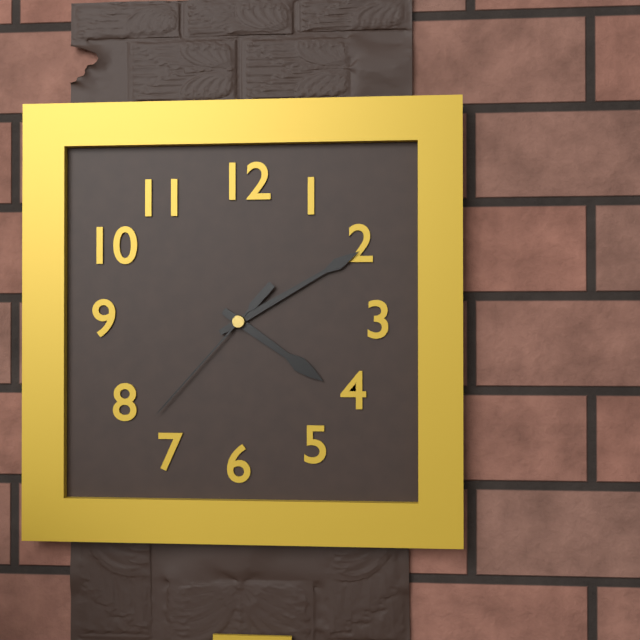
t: h=4 m=10 s=37
